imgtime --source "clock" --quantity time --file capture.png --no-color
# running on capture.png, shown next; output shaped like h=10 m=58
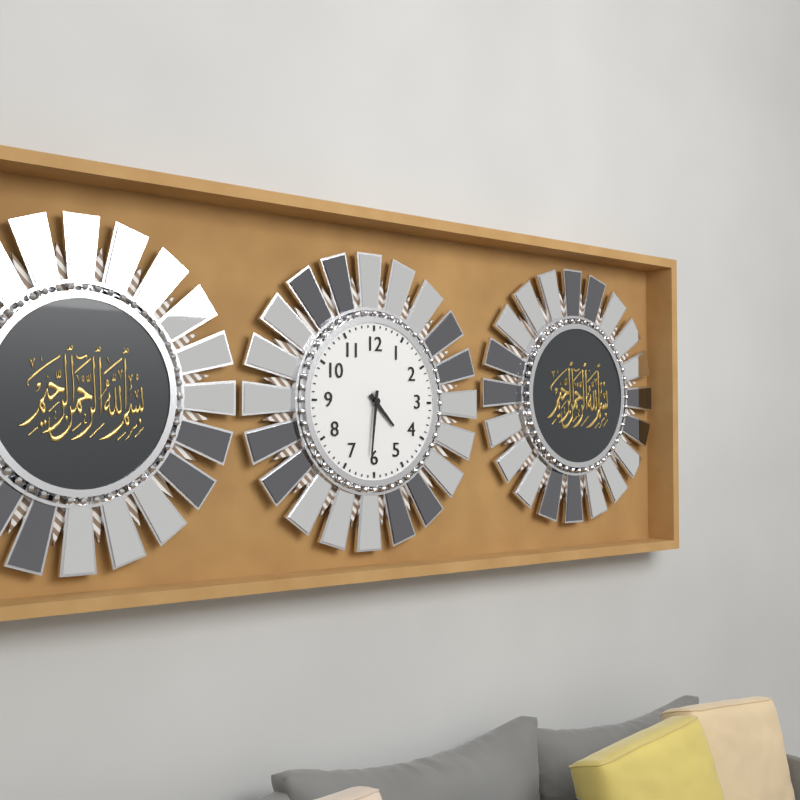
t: h=4 m=31
